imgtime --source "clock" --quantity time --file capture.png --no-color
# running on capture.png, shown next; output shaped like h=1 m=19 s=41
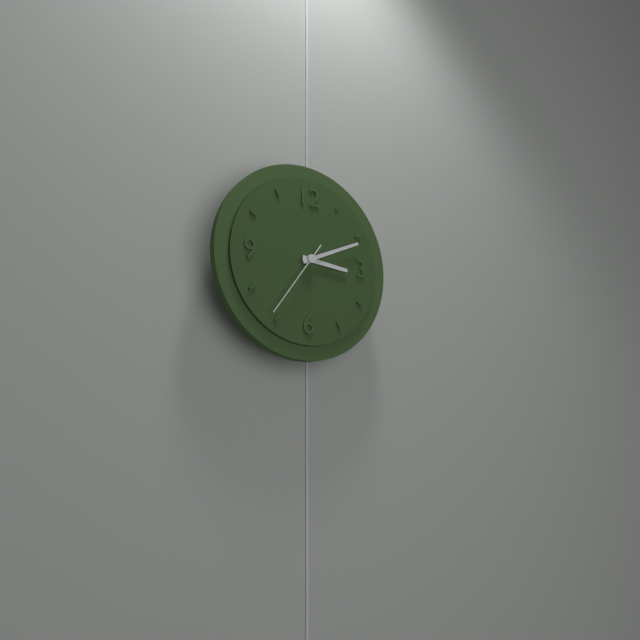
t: h=3 m=11 s=36
